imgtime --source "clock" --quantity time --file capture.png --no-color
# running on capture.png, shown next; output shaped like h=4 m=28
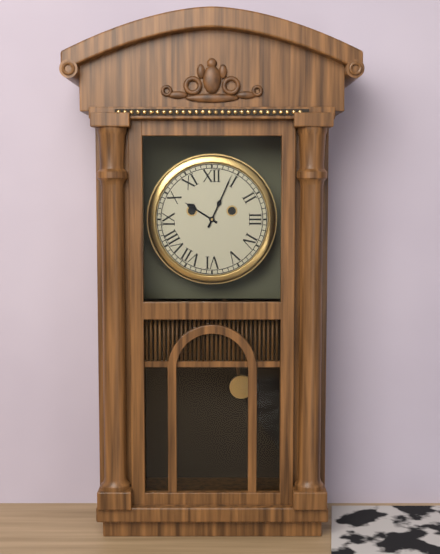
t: h=10 m=4
